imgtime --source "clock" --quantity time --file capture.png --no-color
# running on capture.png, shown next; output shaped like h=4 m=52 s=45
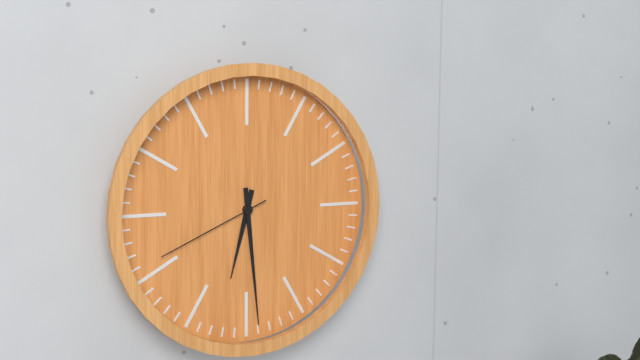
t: h=6 m=29 s=41
